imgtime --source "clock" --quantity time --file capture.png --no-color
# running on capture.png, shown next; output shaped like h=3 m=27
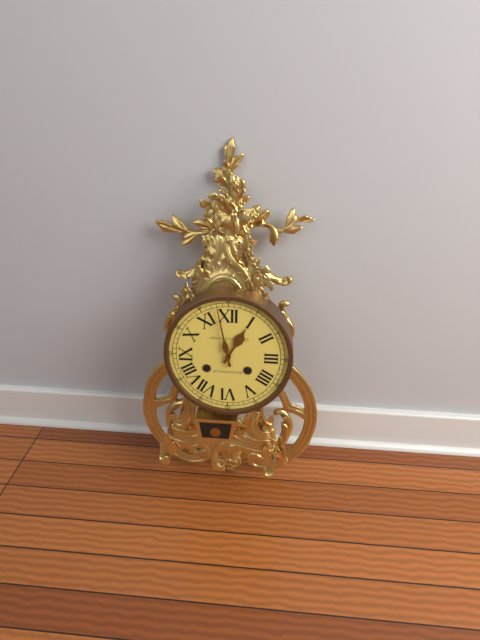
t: h=12 m=58
